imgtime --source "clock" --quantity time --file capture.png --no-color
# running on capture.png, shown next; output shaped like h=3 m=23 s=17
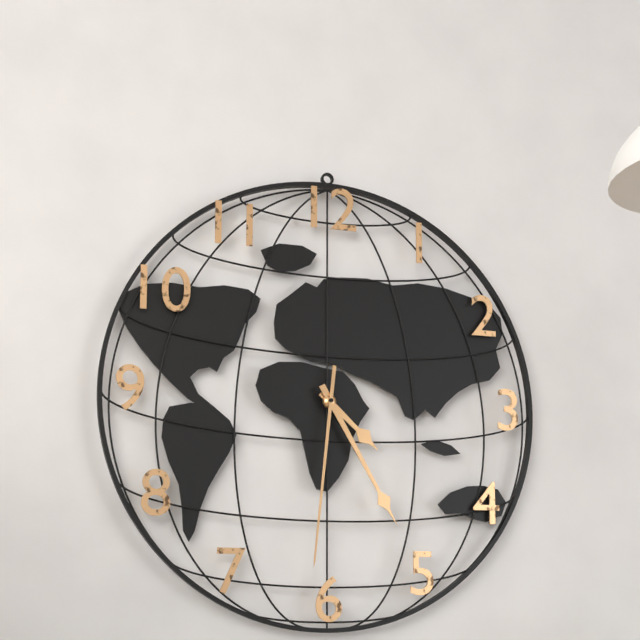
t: h=4 m=25 s=31
